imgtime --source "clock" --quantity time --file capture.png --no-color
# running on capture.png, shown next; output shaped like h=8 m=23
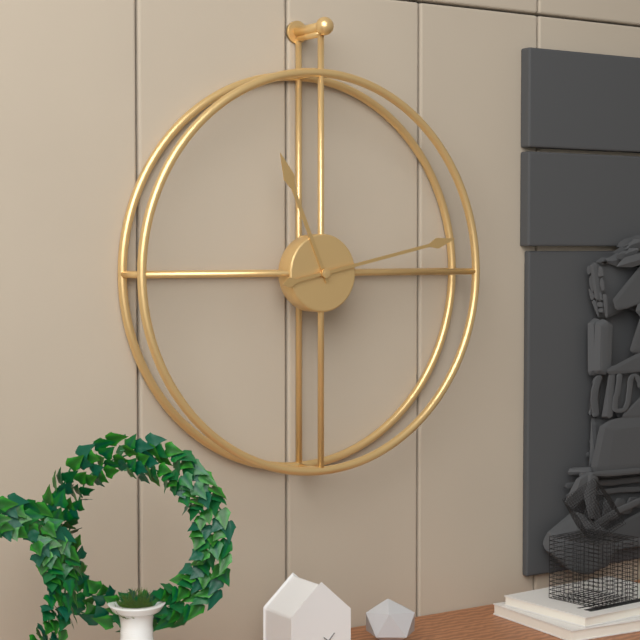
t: h=11 m=13
